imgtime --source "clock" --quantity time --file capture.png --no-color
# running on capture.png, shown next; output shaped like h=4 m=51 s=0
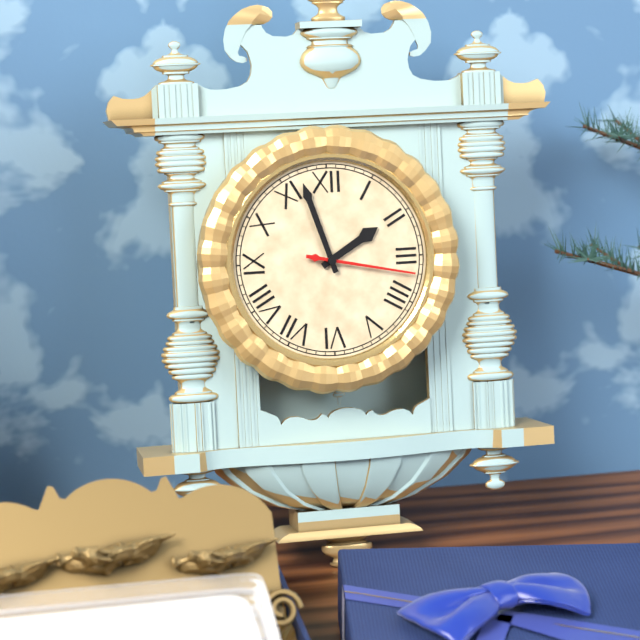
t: h=1 m=57 s=17
